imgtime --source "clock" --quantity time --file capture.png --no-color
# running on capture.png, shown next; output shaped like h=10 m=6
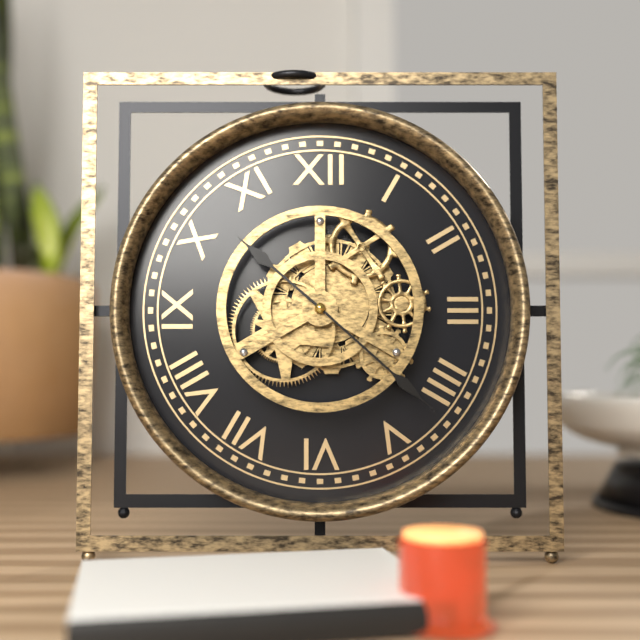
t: h=10 m=22
